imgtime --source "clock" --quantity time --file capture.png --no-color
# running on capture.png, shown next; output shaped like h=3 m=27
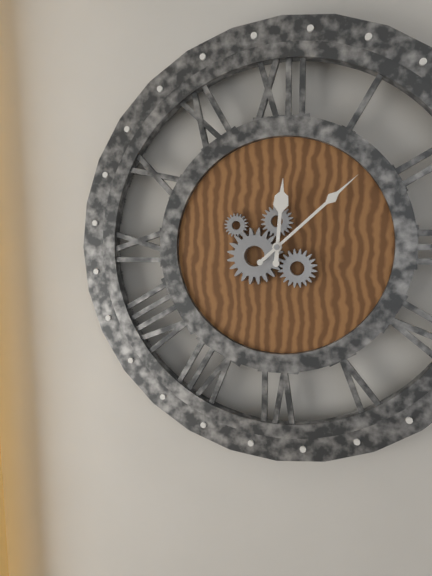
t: h=12 m=8
